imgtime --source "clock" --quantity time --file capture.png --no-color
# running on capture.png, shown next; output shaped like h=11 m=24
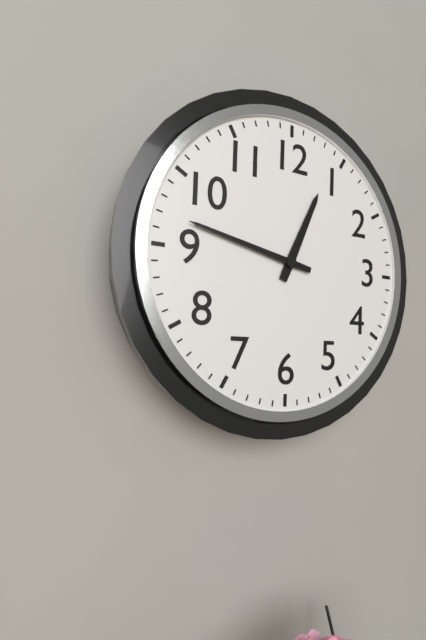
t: h=12 m=47
